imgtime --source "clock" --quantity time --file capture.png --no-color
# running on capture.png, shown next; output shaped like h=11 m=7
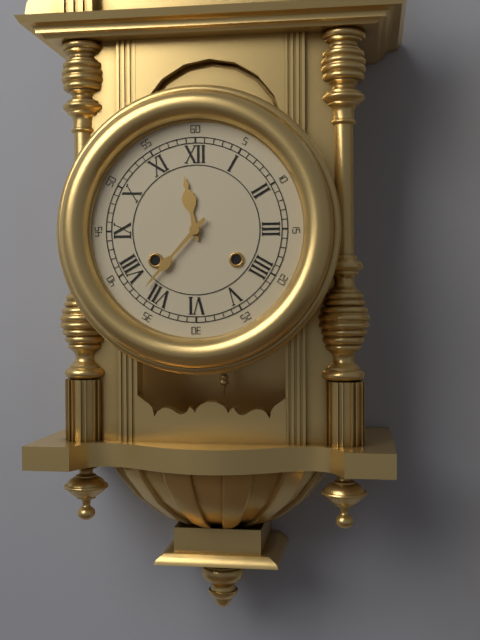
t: h=11 m=37
